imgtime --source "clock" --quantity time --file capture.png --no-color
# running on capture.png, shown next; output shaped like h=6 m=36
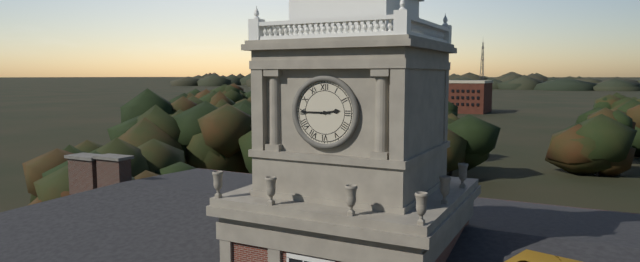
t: h=2 m=45
